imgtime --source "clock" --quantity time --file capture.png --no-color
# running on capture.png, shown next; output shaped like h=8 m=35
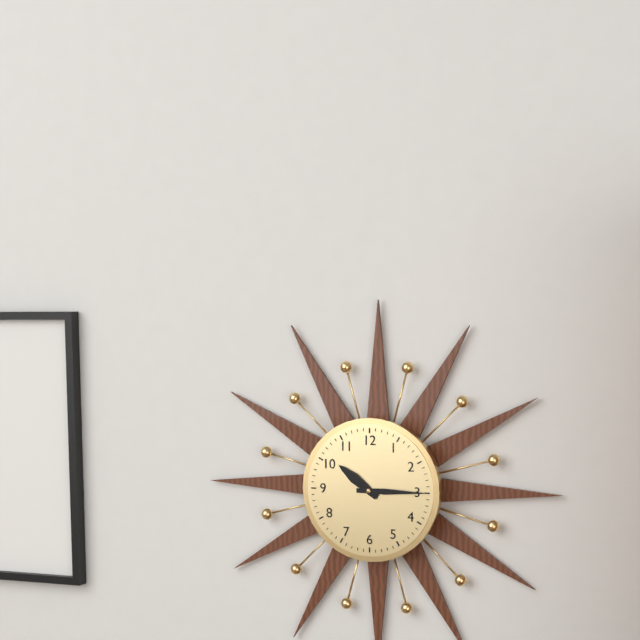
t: h=10 m=15
